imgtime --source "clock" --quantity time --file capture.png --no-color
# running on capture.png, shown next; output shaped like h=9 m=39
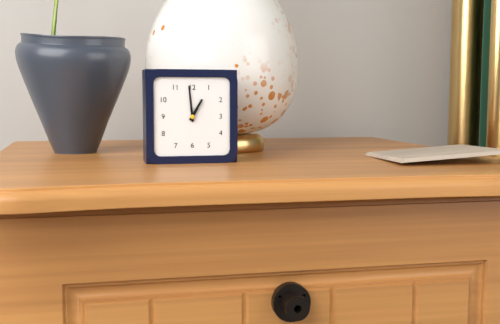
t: h=12 m=59
